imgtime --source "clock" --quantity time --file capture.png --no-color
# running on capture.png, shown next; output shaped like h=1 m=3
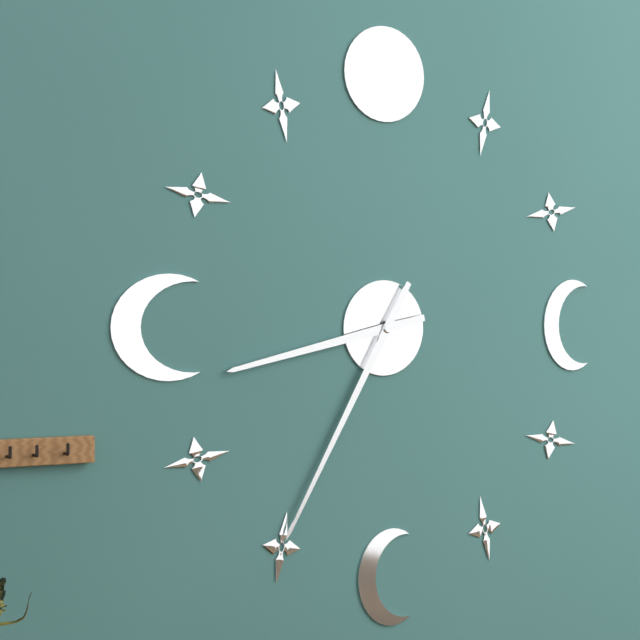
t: h=8 m=35
